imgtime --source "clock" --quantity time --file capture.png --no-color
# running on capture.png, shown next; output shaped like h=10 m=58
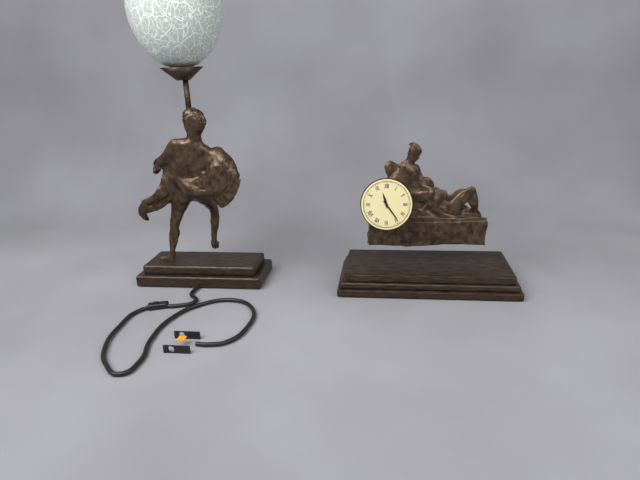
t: h=11 m=24
